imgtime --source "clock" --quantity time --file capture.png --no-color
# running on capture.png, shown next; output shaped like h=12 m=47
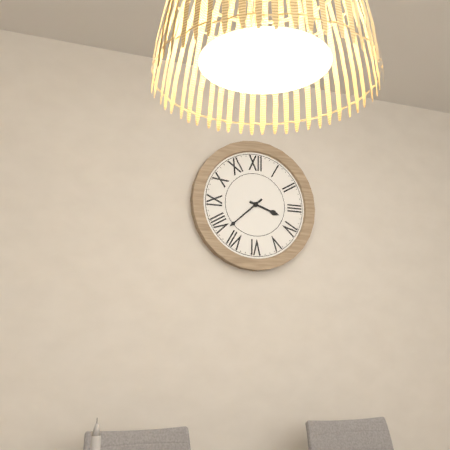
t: h=3 m=38
